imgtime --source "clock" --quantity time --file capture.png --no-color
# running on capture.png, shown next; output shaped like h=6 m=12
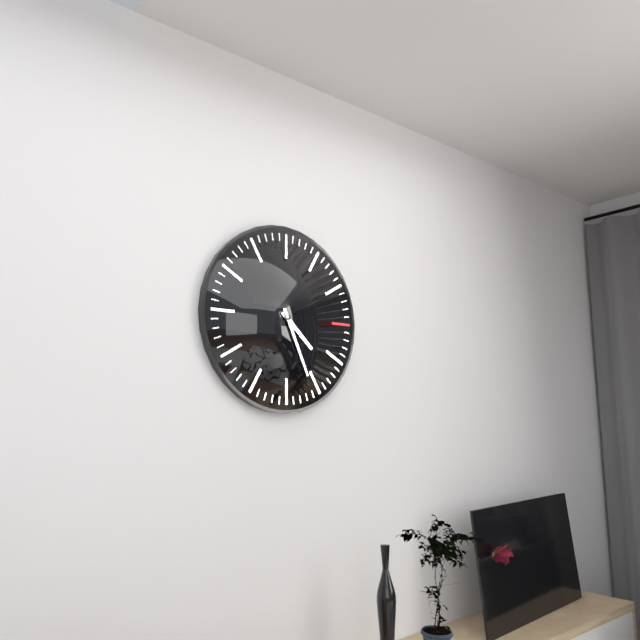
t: h=4 m=26
